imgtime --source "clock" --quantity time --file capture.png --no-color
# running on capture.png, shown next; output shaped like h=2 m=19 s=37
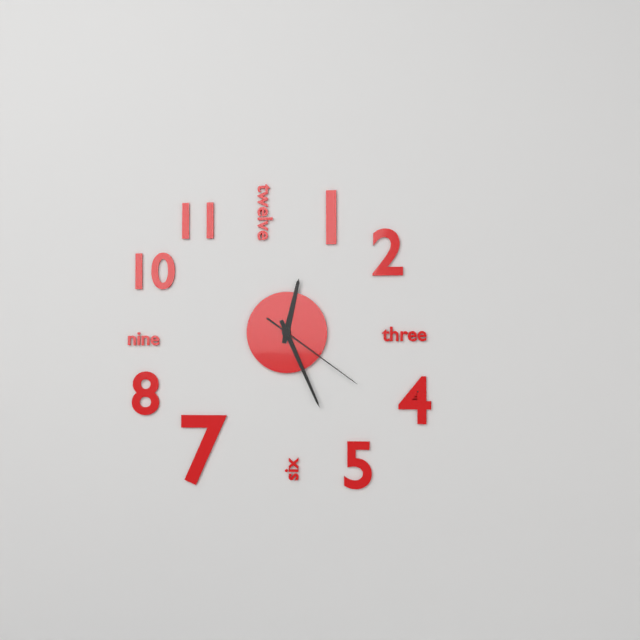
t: h=12 m=26 s=21
